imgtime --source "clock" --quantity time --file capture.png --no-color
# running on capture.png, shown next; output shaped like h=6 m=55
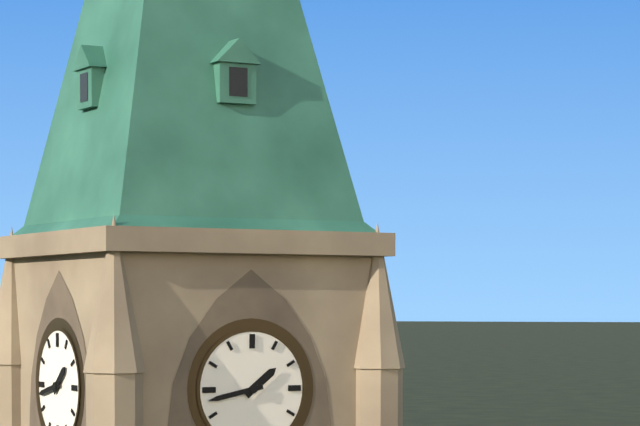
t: h=1 m=43
